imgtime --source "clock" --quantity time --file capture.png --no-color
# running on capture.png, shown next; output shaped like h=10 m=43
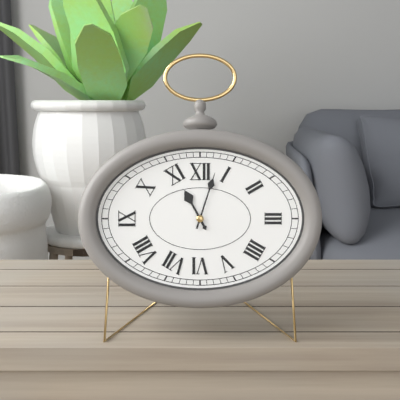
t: h=11 m=3
